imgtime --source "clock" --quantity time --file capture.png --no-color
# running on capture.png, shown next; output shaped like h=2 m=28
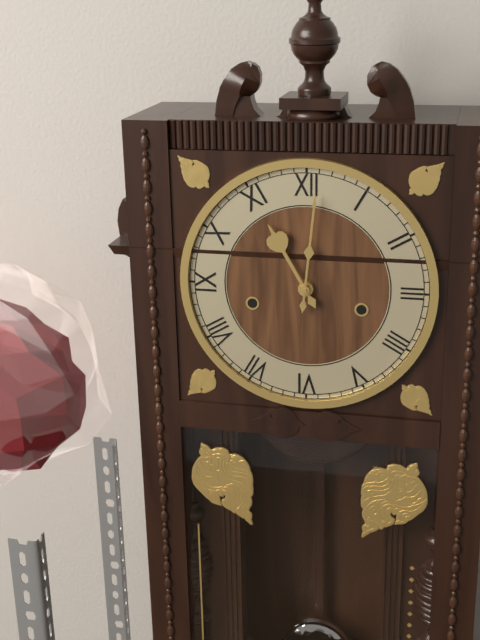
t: h=11 m=1
